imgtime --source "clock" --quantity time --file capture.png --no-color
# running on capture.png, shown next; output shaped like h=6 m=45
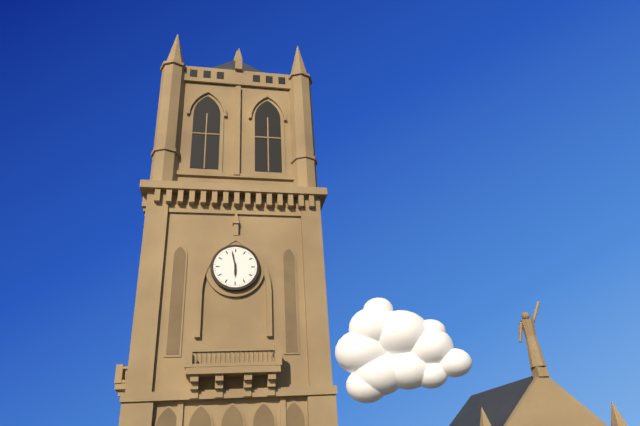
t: h=5 m=58
